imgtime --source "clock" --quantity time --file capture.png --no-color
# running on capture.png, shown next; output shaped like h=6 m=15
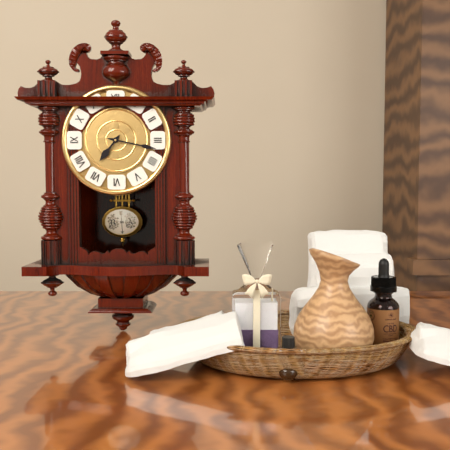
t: h=7 m=17
